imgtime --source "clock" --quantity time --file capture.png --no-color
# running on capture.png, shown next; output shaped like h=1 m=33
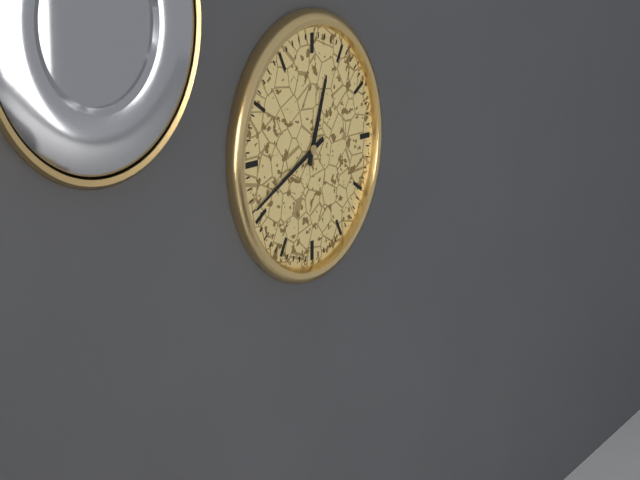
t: h=12 m=41
